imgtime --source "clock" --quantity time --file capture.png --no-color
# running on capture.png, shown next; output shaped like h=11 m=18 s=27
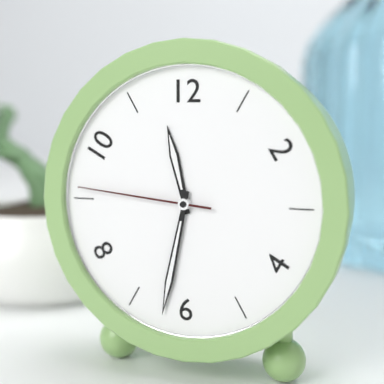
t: h=11 m=32 s=46
